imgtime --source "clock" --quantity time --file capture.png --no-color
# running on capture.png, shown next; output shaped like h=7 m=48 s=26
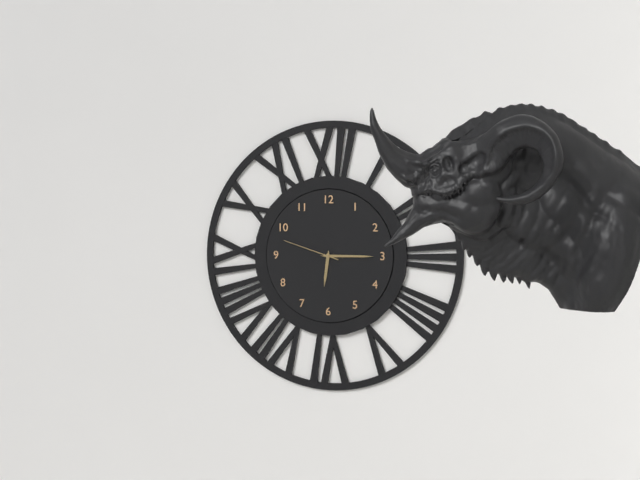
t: h=6 m=15 s=48
